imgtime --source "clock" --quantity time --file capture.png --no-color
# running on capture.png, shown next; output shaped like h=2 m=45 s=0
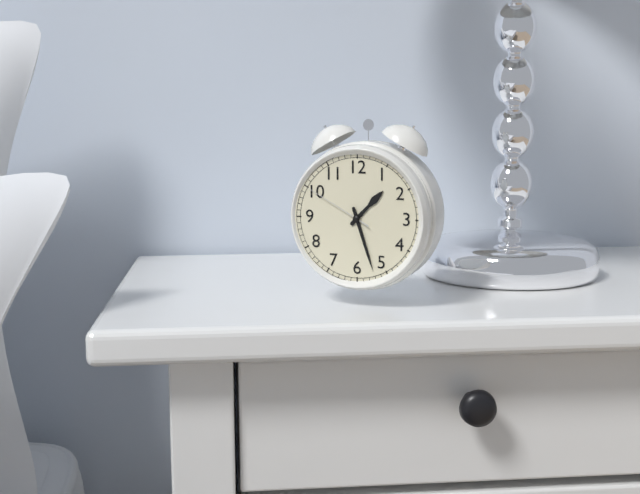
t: h=1 m=27 s=50
